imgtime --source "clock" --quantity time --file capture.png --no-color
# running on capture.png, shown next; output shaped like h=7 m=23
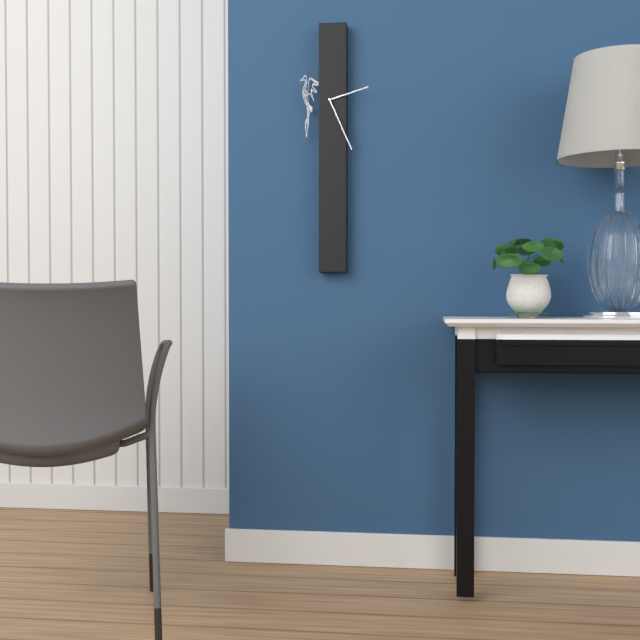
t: h=2 m=26
